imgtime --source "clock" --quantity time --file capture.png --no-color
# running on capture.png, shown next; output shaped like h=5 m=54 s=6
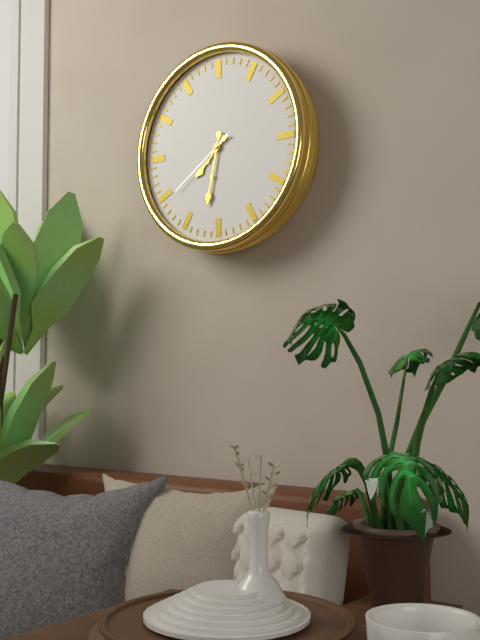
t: h=7 m=32 s=39
